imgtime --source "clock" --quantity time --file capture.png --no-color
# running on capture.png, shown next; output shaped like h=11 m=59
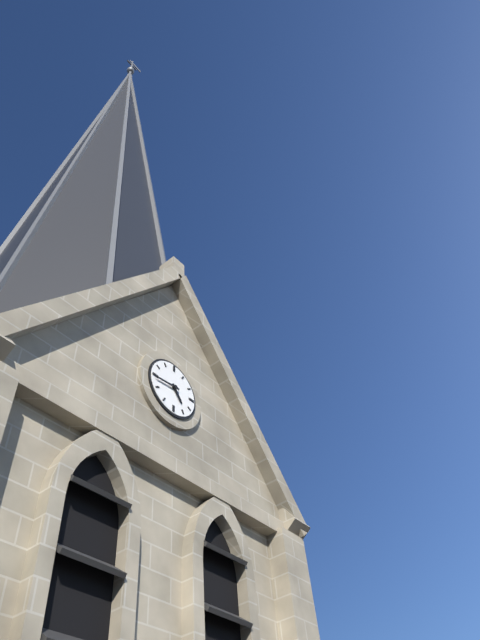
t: h=4 m=44
